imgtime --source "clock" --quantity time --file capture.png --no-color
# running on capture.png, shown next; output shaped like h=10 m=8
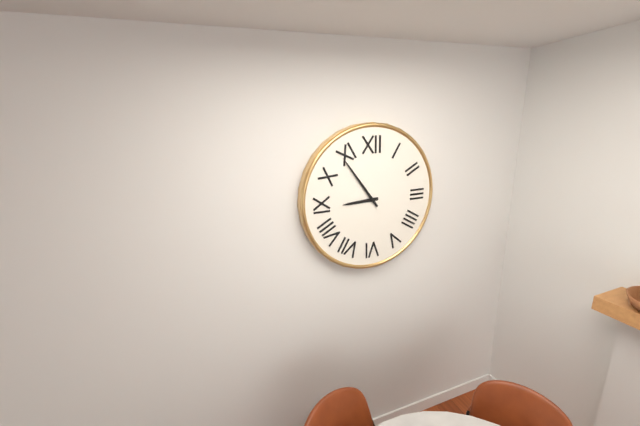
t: h=8 m=54
